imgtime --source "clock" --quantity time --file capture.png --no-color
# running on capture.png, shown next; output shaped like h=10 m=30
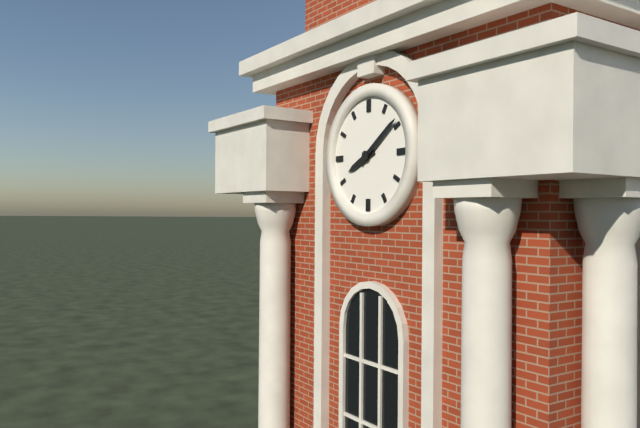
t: h=8 m=9
